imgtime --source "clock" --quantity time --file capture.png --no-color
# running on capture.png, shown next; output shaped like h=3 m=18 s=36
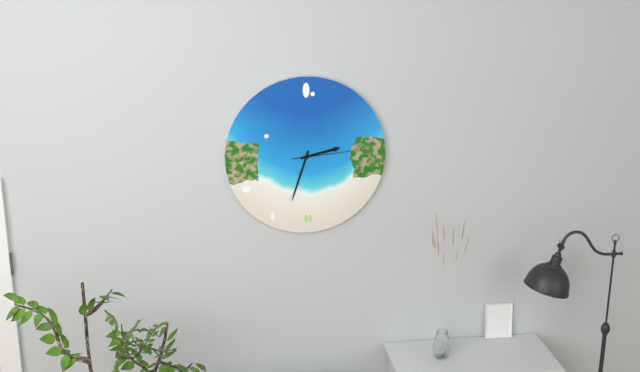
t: h=2 m=33 s=14
